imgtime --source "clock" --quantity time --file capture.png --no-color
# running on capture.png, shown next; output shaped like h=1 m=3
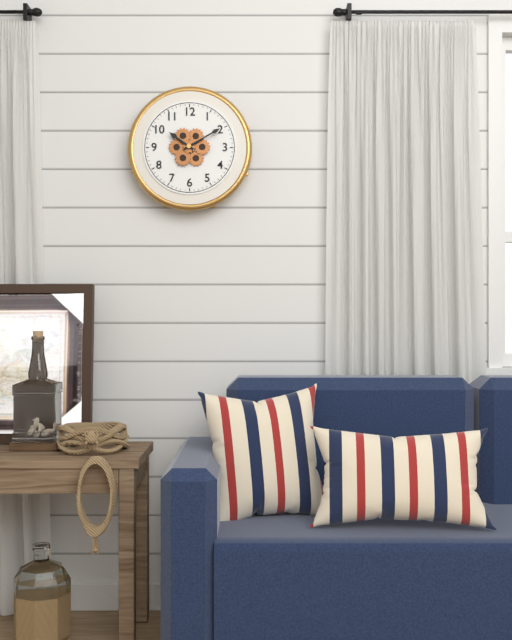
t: h=10 m=10
